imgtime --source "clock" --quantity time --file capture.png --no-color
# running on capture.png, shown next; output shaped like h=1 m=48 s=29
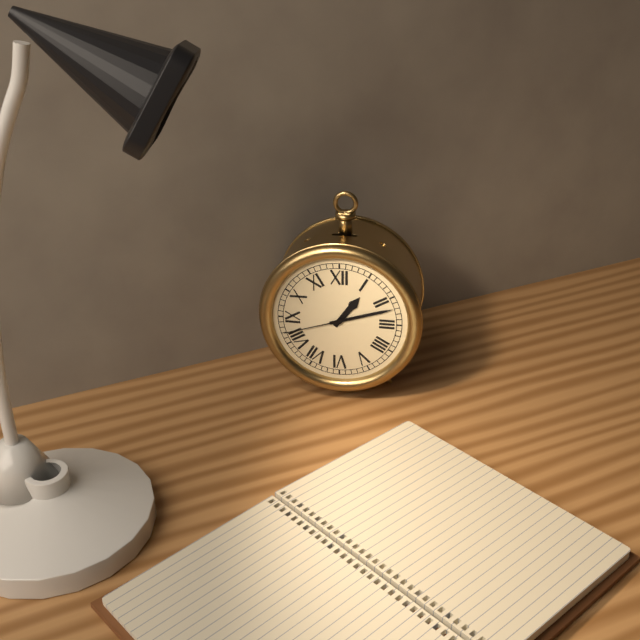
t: h=1 m=12 s=42
